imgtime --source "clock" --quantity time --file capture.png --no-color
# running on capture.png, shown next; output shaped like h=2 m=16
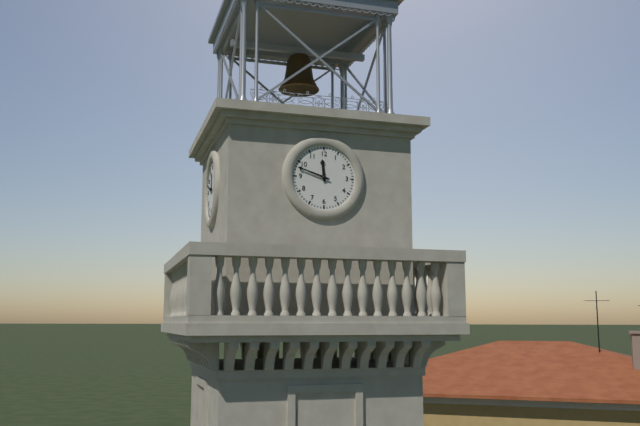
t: h=11 m=48
